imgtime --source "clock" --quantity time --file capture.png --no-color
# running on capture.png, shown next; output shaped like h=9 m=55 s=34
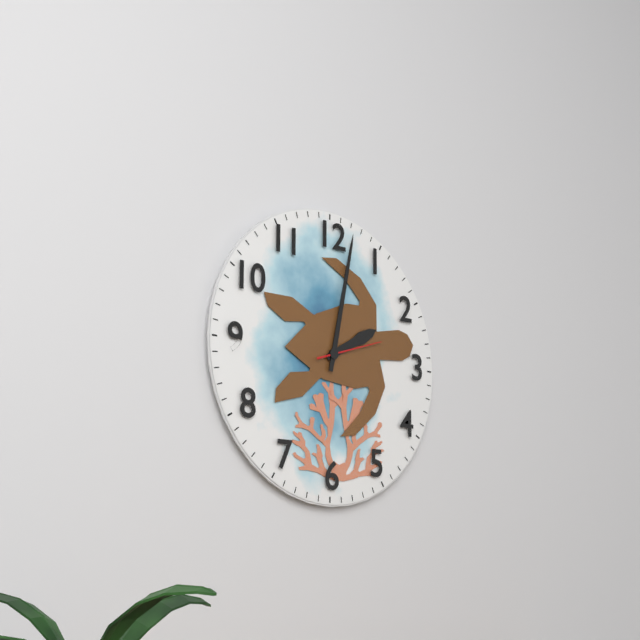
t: h=2 m=2 s=12
